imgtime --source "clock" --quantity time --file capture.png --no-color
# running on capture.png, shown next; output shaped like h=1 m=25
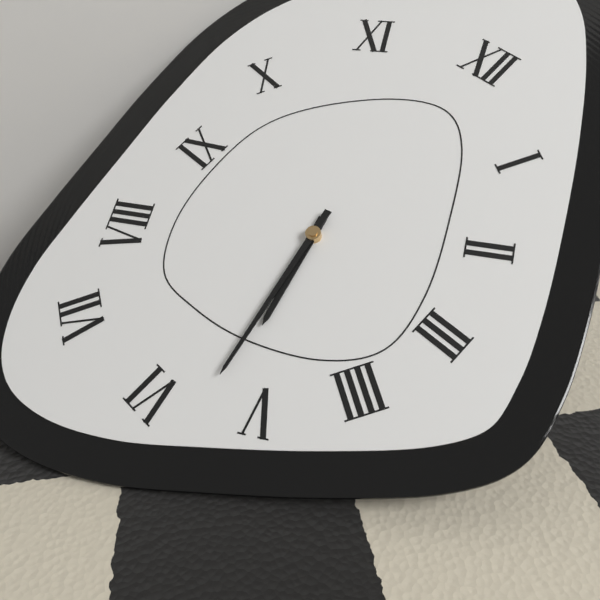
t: h=5 m=28
